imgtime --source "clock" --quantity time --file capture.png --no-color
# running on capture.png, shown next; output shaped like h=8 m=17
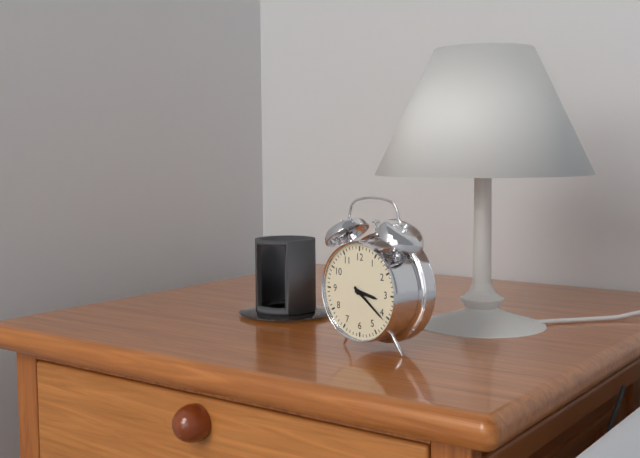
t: h=3 m=21
